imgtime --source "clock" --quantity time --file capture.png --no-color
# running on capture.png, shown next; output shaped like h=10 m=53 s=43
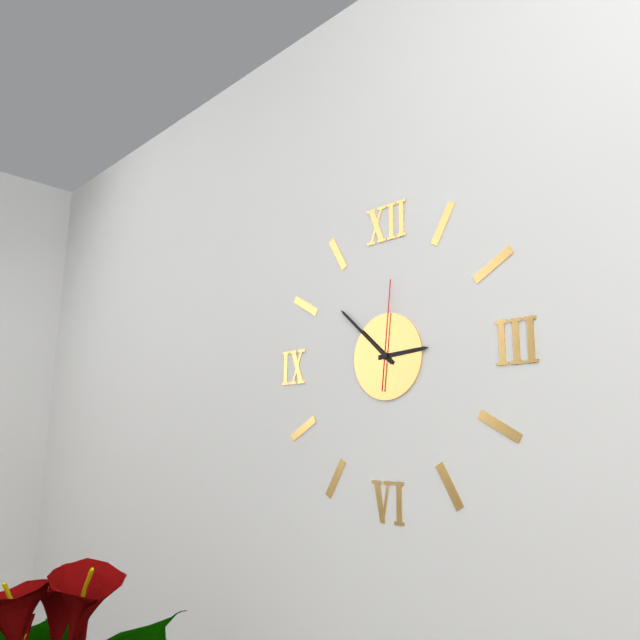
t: h=2 m=52 s=1
